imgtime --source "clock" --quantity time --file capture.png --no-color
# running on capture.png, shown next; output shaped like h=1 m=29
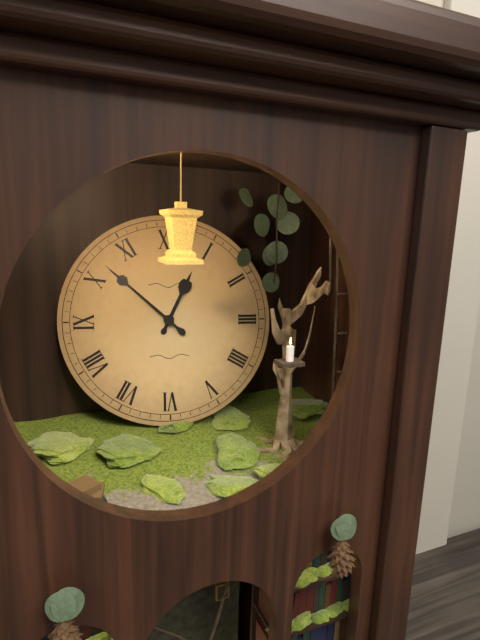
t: h=12 m=52
